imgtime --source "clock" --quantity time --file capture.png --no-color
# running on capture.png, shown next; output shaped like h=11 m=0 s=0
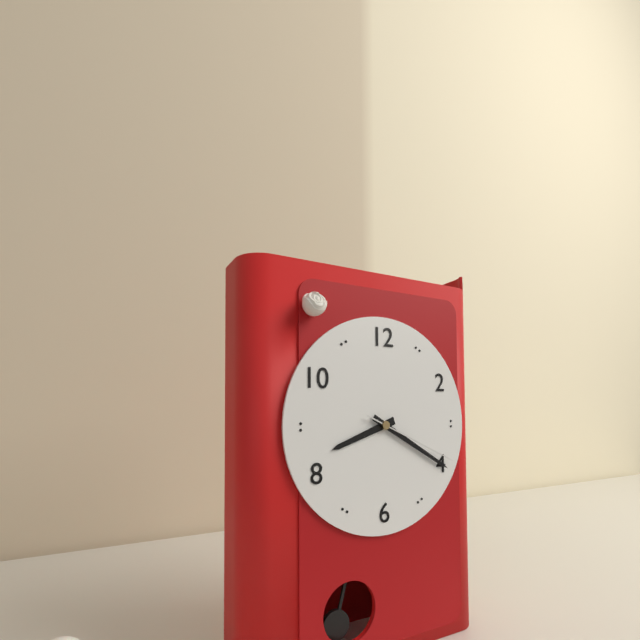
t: h=8 m=20 s=19
